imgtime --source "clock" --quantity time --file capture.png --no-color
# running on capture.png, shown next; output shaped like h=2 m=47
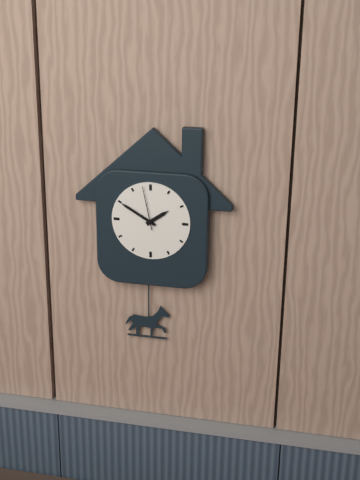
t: h=1 m=50
